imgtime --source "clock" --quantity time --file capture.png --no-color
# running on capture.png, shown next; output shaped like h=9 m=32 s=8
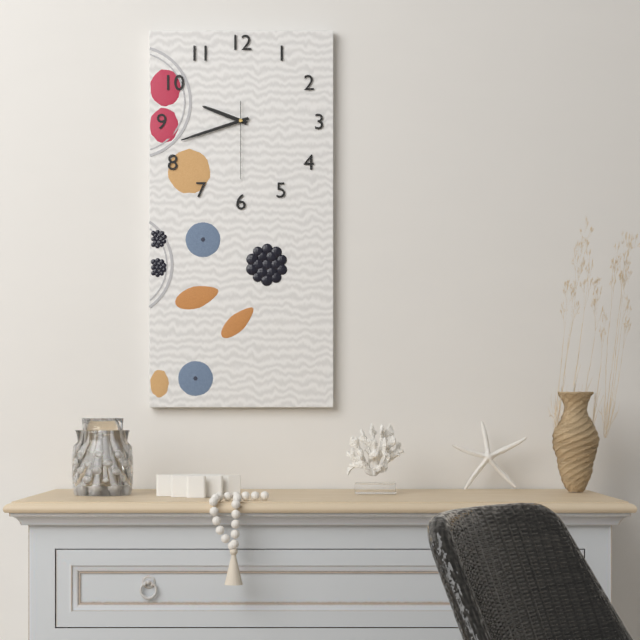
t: h=9 m=42 s=30
